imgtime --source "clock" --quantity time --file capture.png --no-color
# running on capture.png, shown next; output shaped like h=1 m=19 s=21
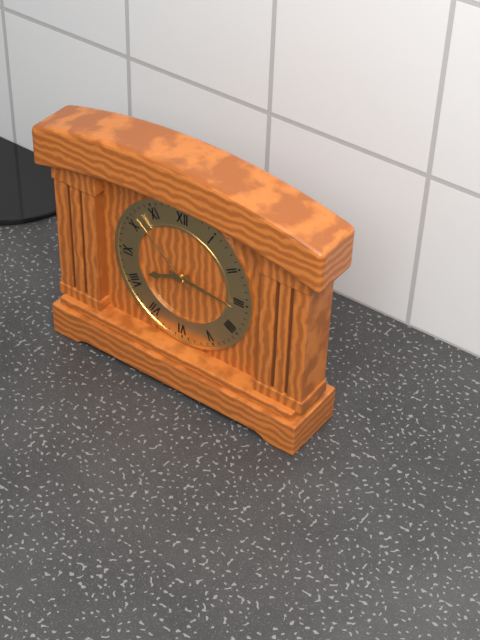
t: h=8 m=16 s=52
